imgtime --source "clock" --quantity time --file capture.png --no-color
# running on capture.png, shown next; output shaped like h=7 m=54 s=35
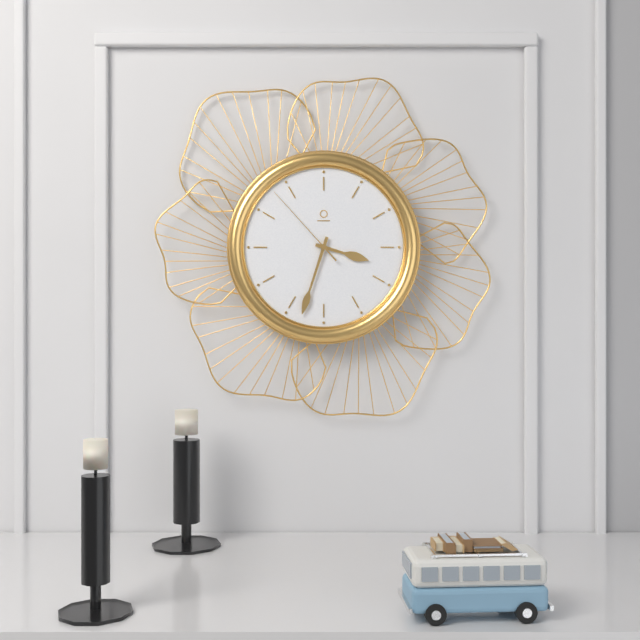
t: h=3 m=33 s=53
